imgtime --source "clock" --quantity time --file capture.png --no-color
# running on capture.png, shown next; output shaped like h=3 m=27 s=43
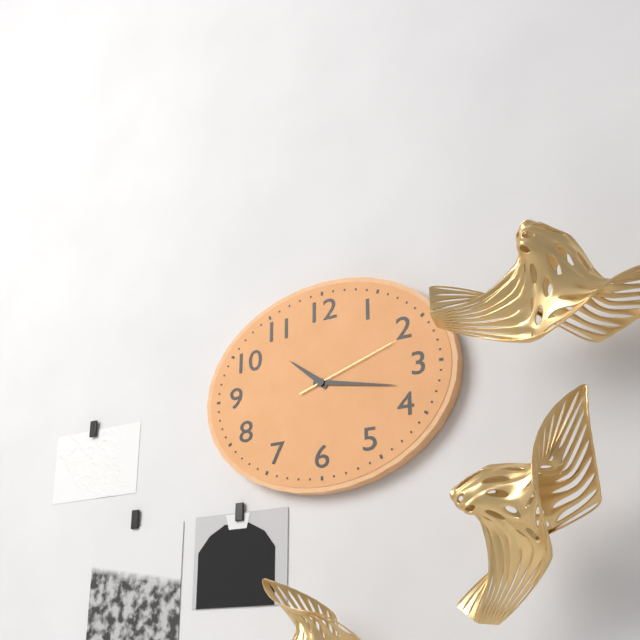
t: h=10 m=17 s=12
